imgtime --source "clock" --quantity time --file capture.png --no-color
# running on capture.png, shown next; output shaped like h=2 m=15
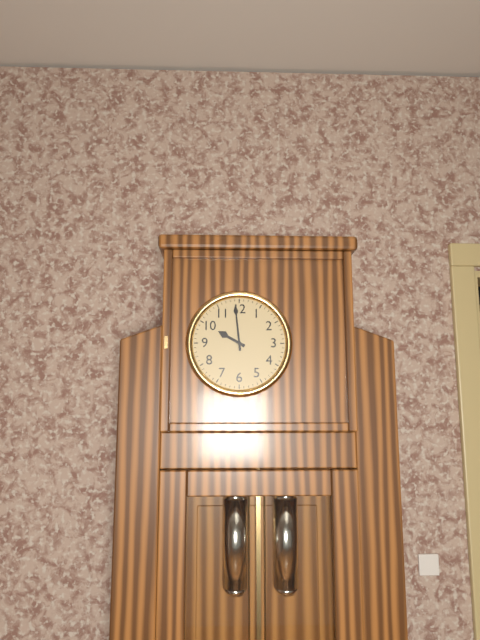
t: h=9 m=59
